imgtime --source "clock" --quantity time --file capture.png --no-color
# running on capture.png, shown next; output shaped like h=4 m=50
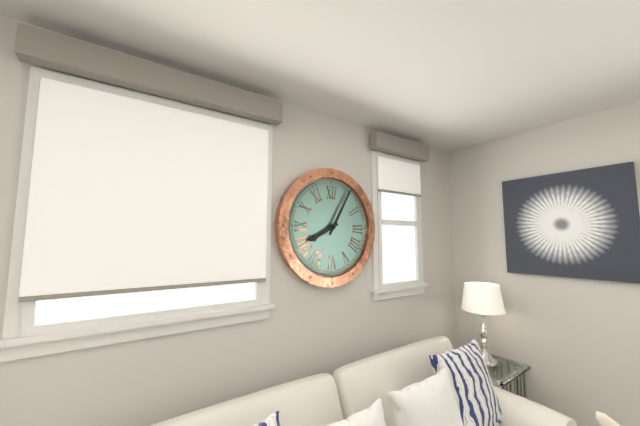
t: h=8 m=5
